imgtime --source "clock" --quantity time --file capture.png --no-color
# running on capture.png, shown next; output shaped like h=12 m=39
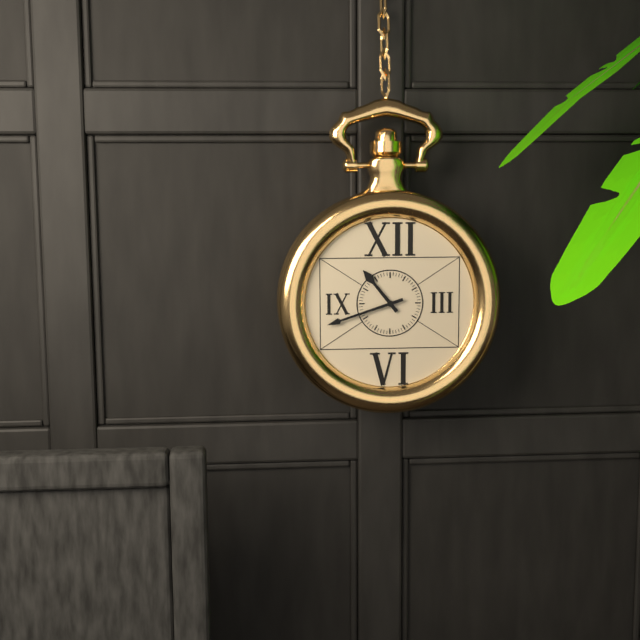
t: h=10 m=42
